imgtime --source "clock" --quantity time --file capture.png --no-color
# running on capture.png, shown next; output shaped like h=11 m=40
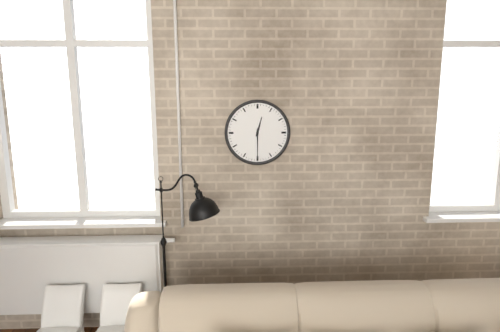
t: h=12 m=30
